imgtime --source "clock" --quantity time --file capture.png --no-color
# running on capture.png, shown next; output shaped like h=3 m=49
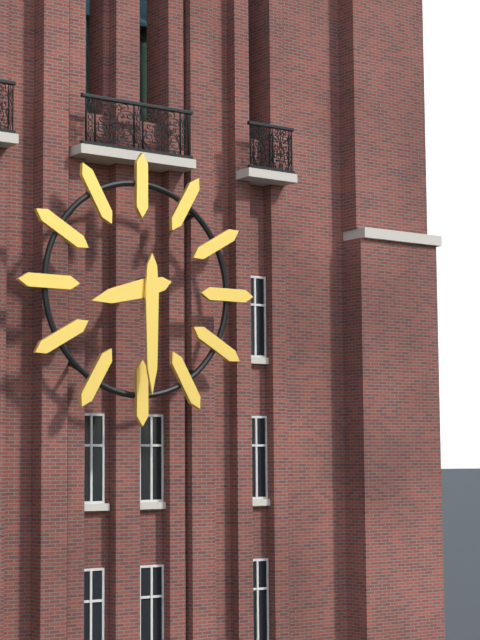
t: h=8 m=30
